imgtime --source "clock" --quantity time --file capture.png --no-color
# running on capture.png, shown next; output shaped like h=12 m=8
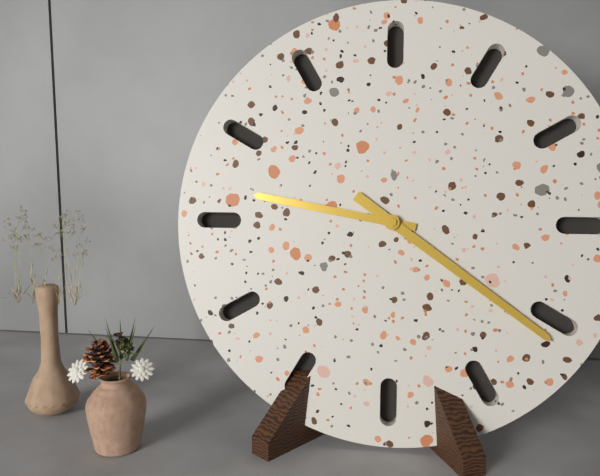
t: h=9 m=21
